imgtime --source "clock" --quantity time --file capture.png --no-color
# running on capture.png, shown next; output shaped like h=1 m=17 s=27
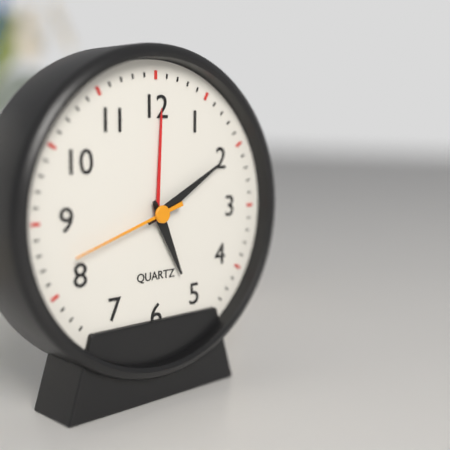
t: h=5 m=10 s=42
